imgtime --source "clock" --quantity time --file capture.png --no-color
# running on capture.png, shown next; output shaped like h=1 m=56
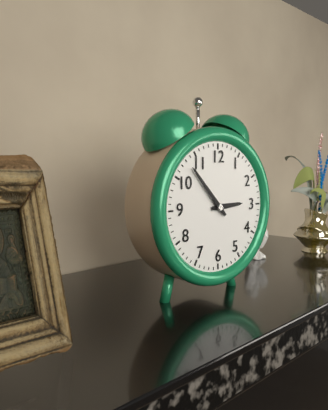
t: h=2 m=53
